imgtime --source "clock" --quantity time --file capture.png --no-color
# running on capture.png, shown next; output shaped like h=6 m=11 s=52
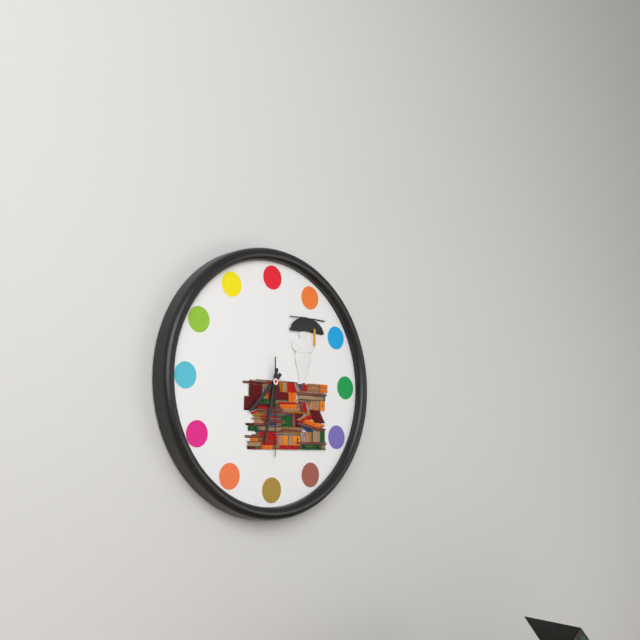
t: h=7 m=32 s=30
